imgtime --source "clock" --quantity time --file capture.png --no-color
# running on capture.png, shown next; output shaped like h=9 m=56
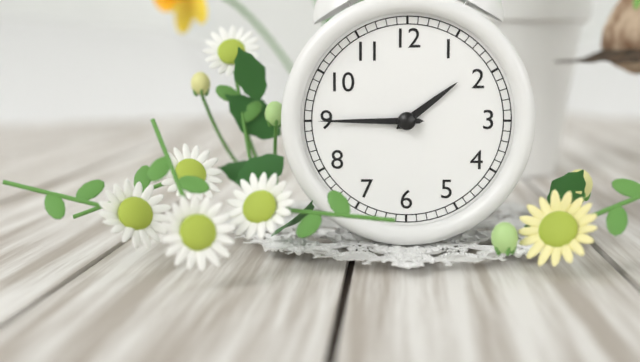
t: h=1 m=45
